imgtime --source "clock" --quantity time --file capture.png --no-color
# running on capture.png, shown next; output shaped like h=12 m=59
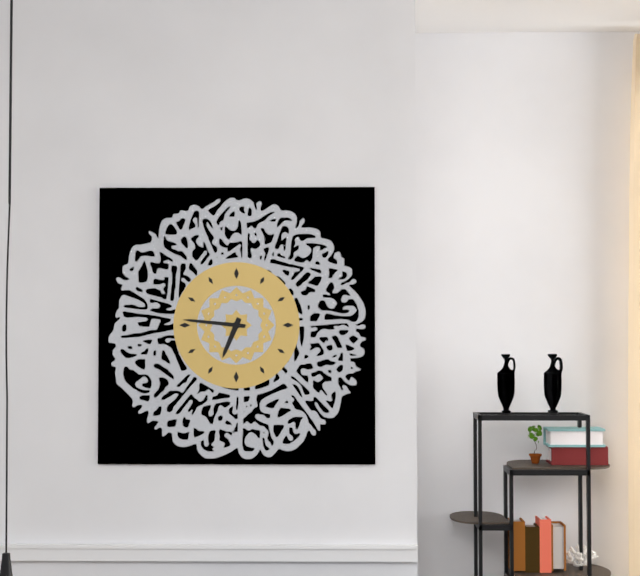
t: h=6 m=46
